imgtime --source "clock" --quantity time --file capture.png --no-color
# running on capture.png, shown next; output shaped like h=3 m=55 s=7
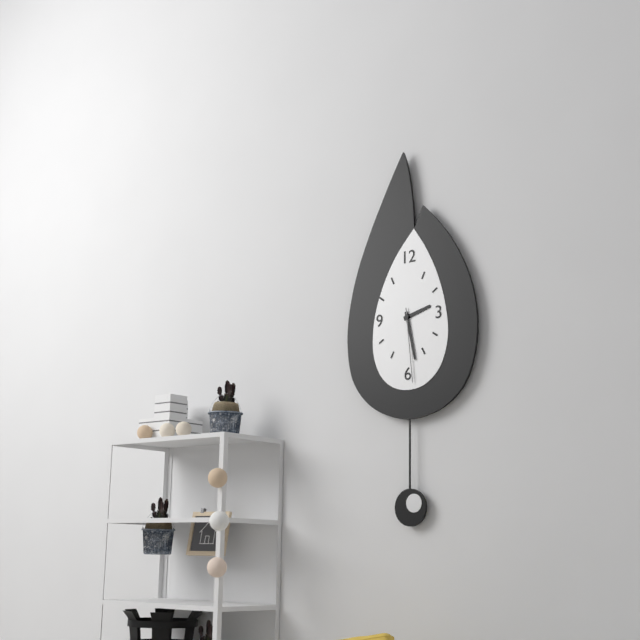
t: h=2 m=28 s=29
